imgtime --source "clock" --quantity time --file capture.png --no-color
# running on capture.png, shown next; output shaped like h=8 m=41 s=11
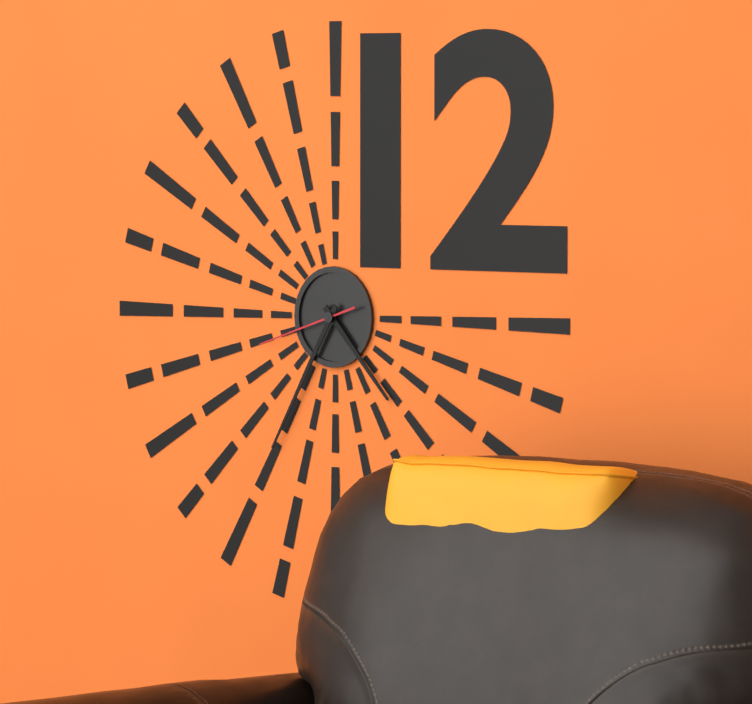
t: h=4 m=35 s=42
